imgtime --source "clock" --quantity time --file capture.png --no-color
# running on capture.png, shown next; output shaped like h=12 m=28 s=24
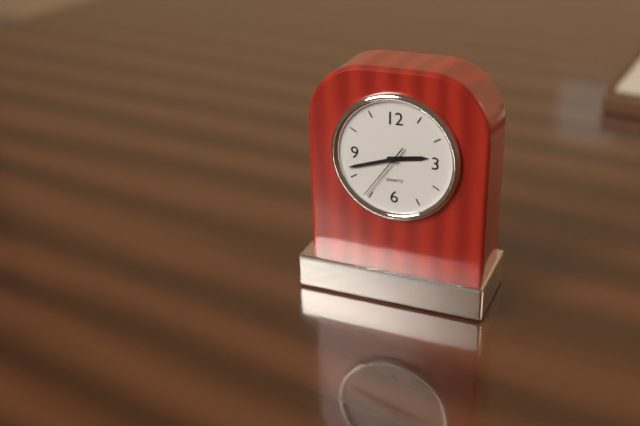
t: h=2 m=42 s=36
